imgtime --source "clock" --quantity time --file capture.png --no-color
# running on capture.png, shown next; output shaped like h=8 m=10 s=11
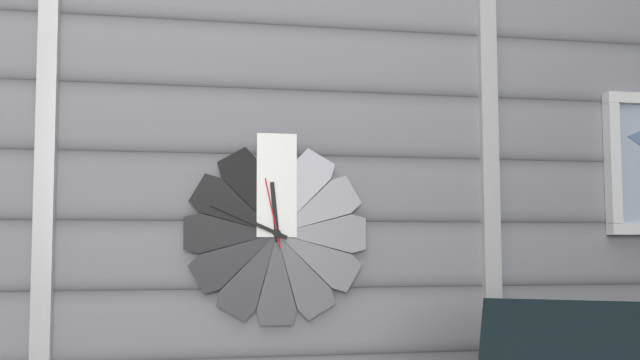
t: h=11 m=49 s=58
